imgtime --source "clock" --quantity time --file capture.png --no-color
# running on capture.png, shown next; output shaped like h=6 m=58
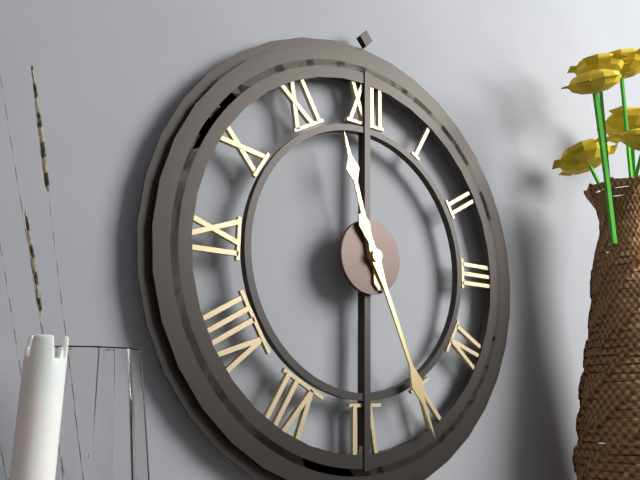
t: h=11 m=26
